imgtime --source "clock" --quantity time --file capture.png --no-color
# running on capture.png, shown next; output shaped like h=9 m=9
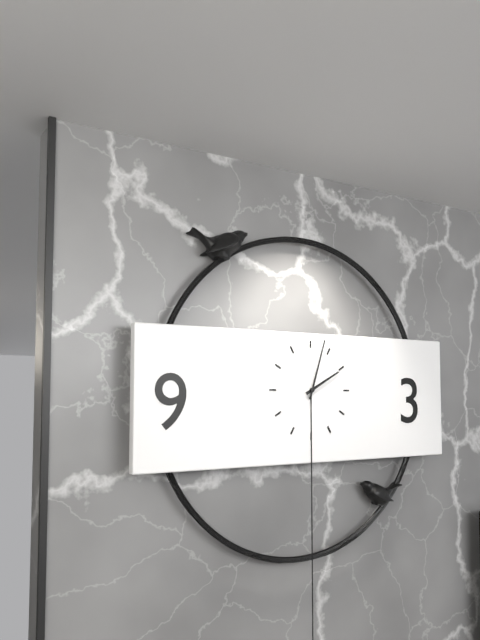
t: h=2 m=3
